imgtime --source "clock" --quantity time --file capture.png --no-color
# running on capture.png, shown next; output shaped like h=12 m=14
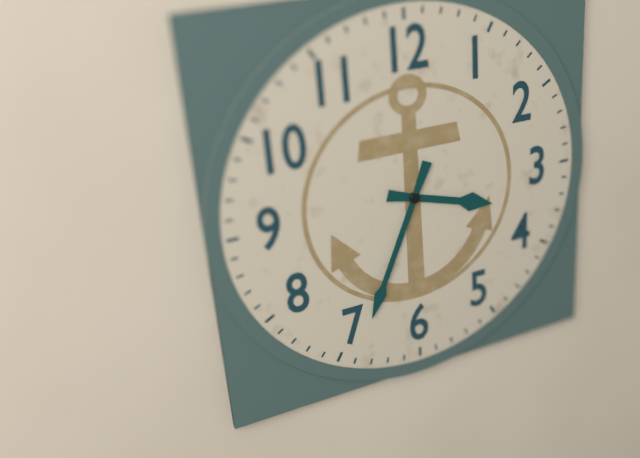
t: h=3 m=34
